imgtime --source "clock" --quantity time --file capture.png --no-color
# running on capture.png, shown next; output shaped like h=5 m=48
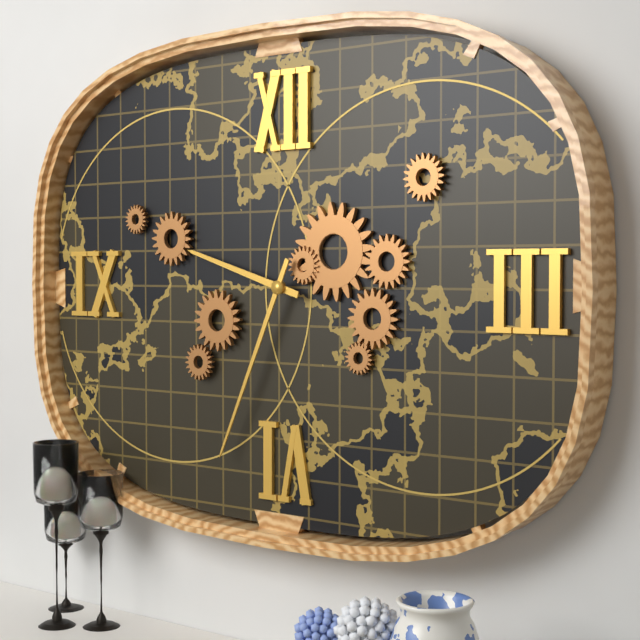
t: h=9 m=34
